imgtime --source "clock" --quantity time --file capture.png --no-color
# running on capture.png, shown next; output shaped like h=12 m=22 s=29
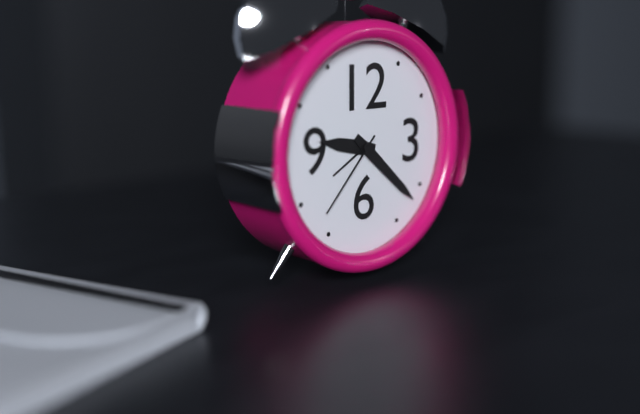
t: h=9 m=22 s=37
